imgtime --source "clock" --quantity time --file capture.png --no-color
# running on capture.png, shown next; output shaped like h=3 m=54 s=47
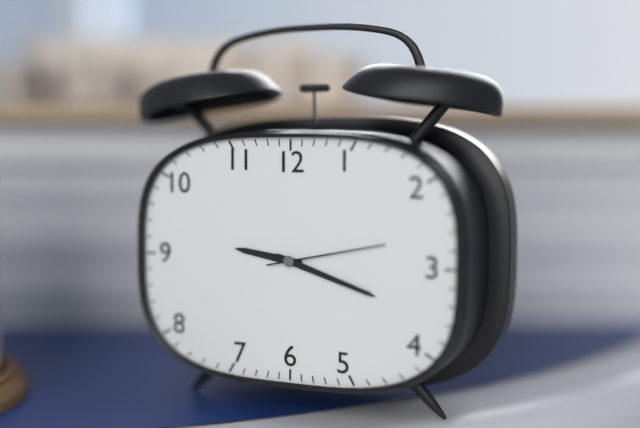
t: h=9 m=18 s=13
